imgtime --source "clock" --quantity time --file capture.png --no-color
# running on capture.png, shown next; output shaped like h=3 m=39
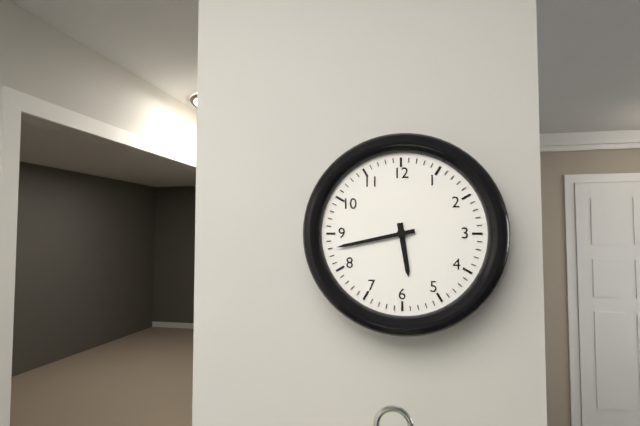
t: h=5 m=43
